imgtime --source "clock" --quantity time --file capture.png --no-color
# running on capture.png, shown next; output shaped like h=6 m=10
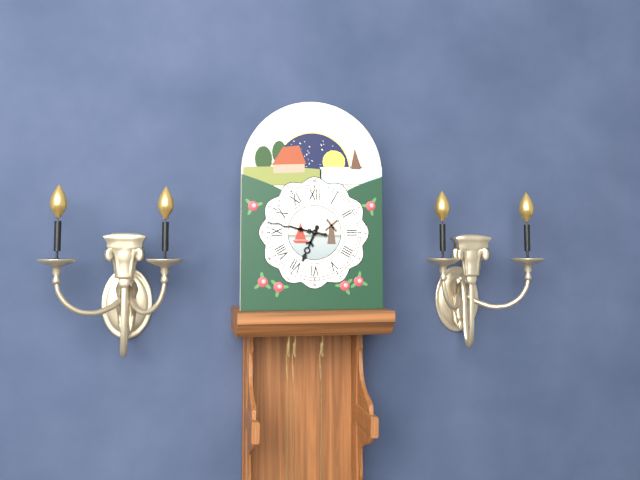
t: h=6 m=47
